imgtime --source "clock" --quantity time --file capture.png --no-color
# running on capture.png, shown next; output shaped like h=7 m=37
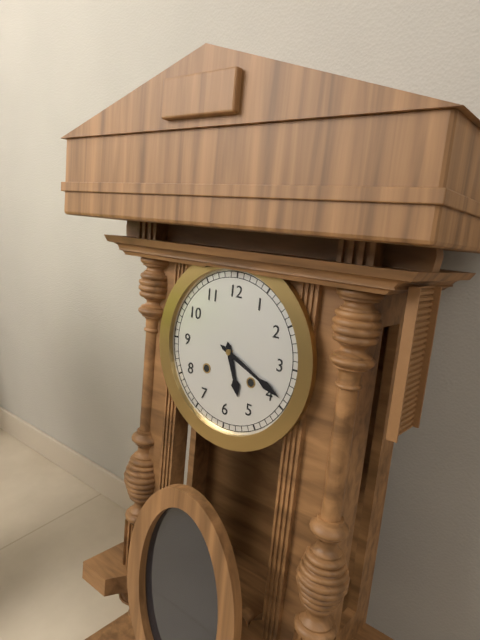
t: h=5 m=19
